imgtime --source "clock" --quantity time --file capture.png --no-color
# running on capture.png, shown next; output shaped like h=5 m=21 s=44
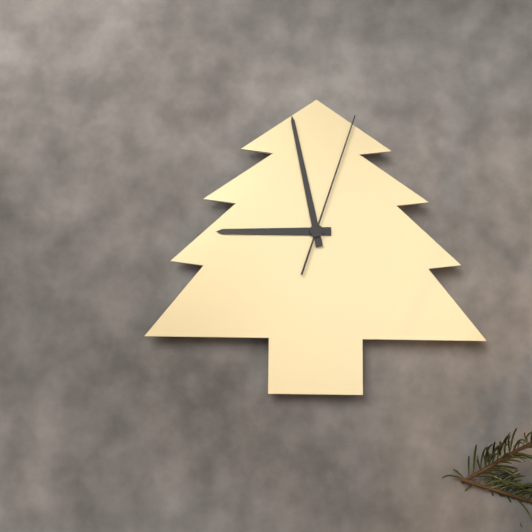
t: h=8 m=58 s=3
